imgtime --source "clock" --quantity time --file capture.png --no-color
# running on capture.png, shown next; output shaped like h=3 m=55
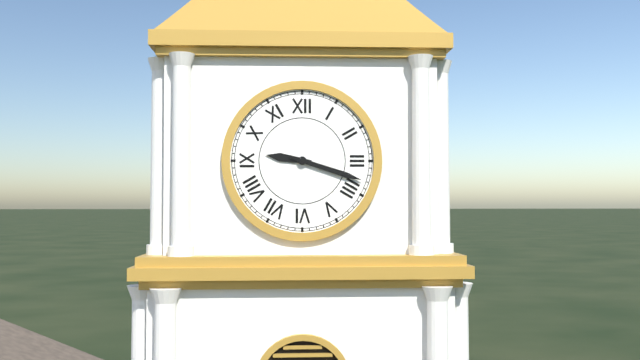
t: h=9 m=18
